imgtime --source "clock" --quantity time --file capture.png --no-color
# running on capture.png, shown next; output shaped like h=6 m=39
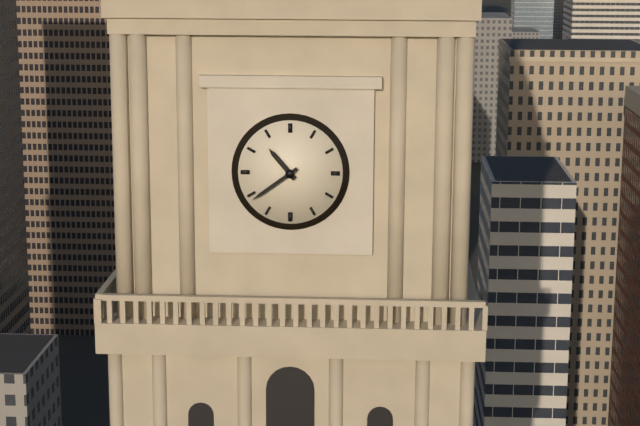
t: h=10 m=39
